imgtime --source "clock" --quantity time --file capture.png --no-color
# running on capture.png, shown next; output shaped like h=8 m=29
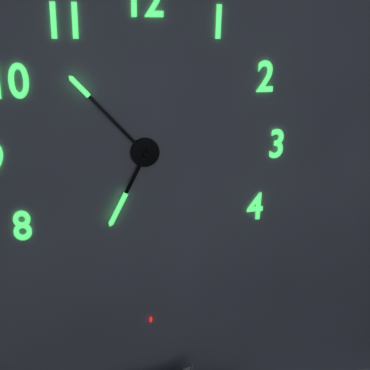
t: h=6 m=53
